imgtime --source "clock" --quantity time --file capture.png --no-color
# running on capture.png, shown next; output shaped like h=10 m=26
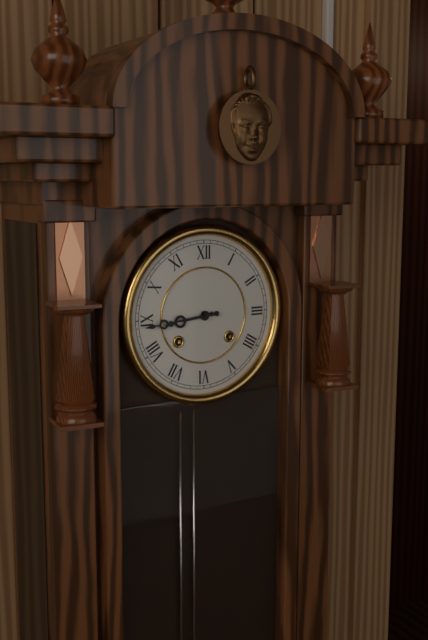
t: h=8 m=44
